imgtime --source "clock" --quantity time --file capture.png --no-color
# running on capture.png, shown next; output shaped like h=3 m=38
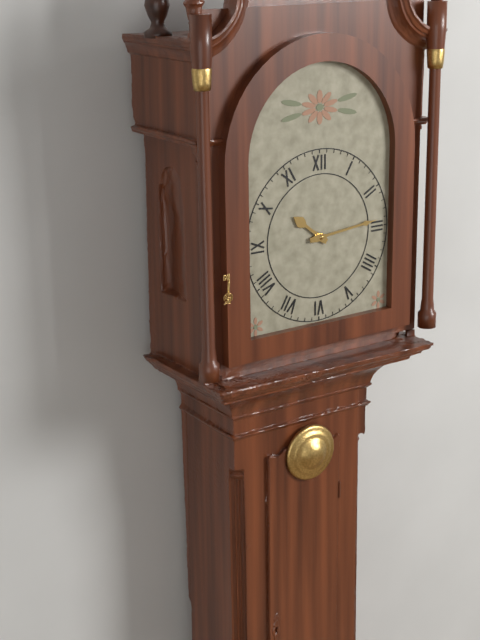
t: h=10 m=14
